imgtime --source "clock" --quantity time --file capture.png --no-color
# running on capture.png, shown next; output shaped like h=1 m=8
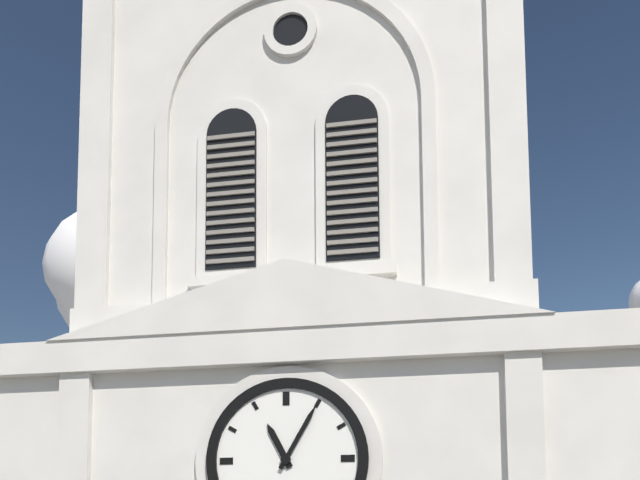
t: h=11 m=5
